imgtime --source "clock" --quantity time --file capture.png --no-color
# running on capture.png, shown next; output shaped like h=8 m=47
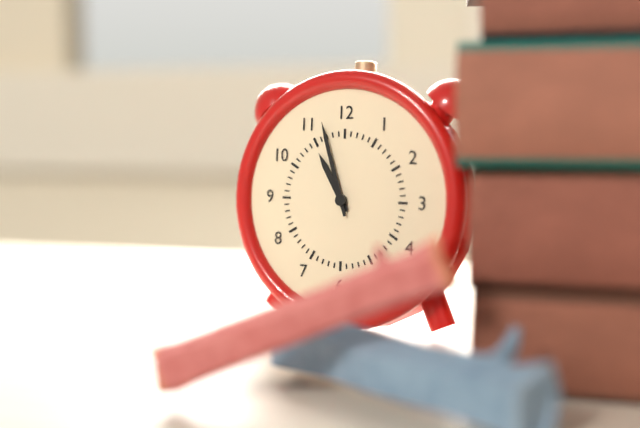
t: h=10 m=57
